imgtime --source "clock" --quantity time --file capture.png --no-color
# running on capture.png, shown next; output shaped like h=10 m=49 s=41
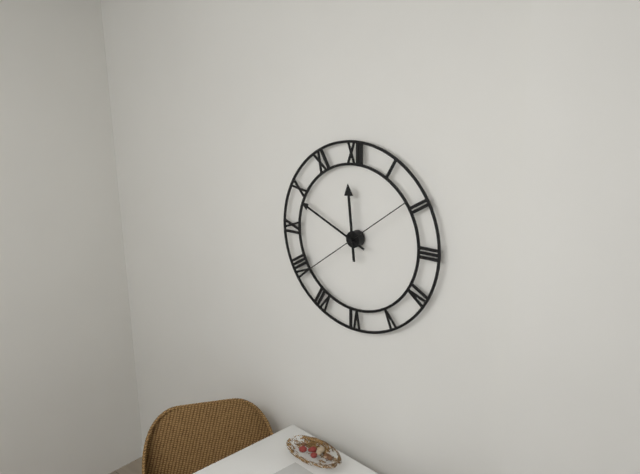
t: h=11 m=49 s=39
